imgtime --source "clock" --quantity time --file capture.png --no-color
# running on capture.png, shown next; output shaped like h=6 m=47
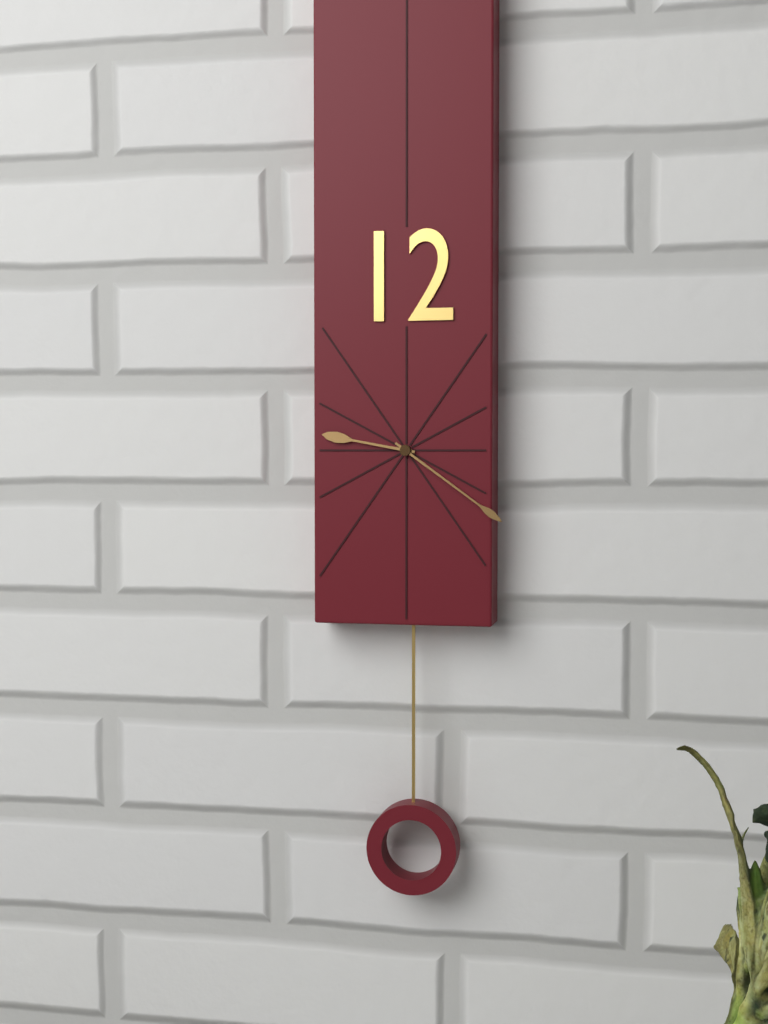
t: h=9 m=21
